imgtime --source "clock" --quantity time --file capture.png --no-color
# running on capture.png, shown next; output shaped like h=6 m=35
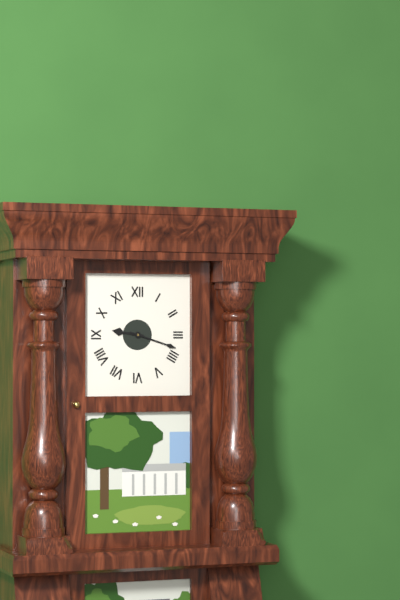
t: h=9 m=18
